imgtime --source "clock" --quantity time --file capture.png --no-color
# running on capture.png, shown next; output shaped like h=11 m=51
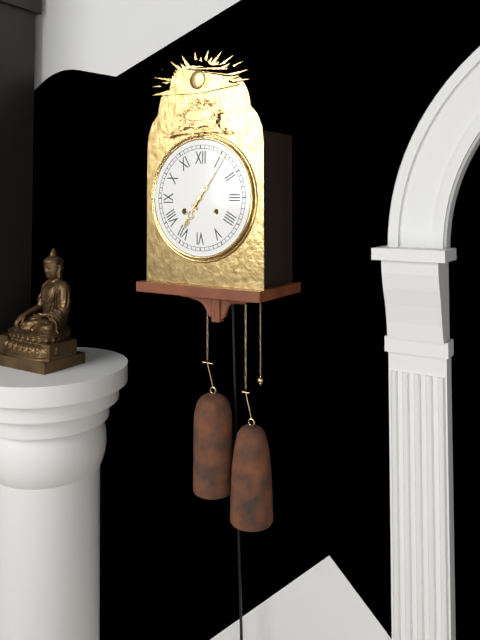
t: h=7 m=6
